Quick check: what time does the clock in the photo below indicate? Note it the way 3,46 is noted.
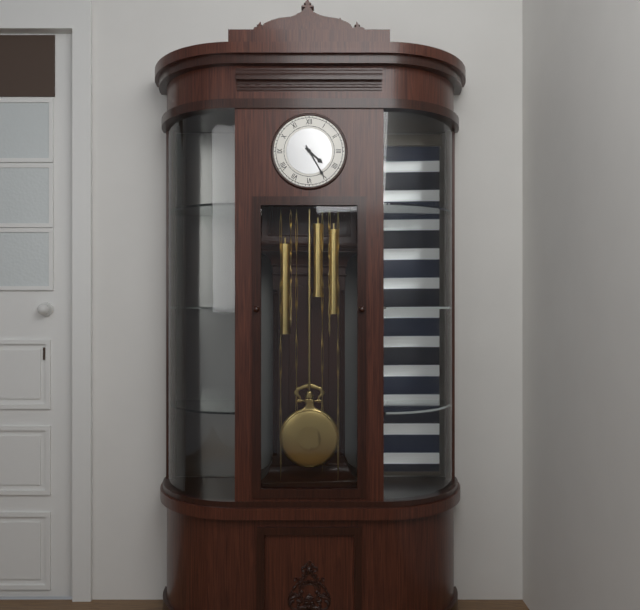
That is 4,25
